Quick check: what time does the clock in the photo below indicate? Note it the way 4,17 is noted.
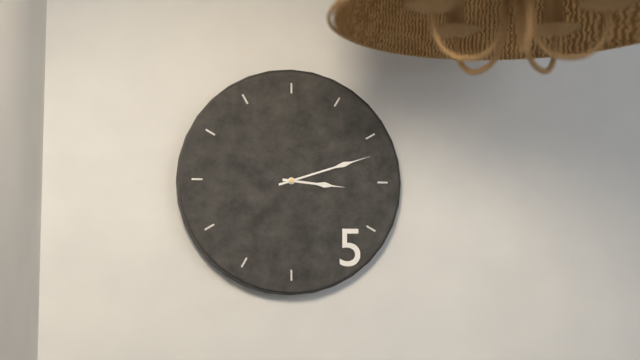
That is 3,12
